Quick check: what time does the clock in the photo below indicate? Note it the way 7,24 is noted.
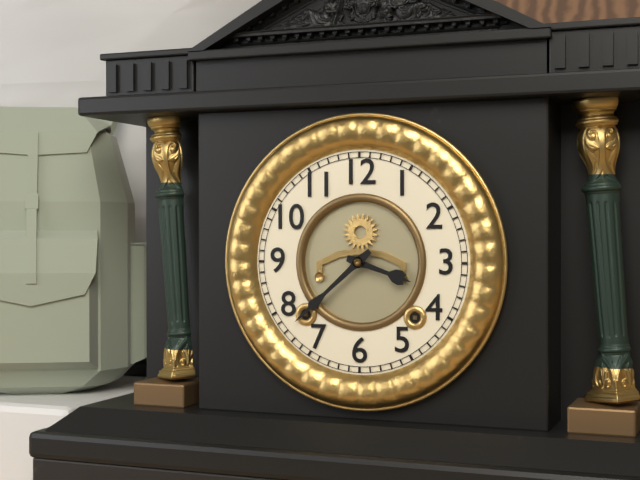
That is 3,38
